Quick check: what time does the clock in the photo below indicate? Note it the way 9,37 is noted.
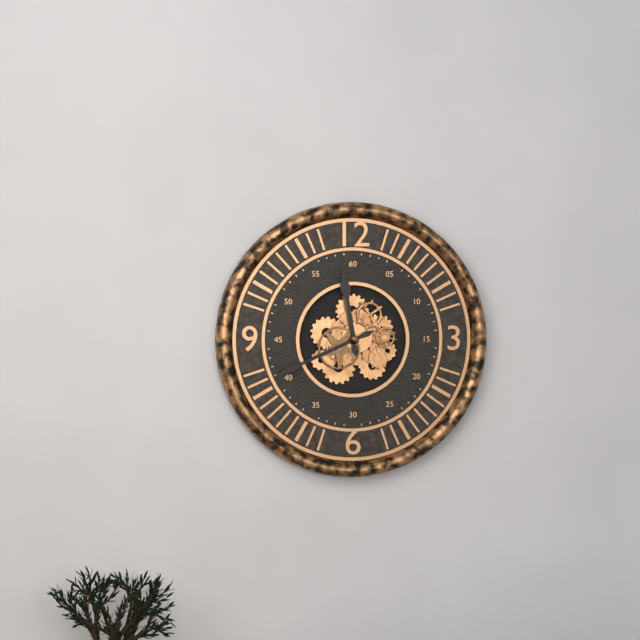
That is 11,41
